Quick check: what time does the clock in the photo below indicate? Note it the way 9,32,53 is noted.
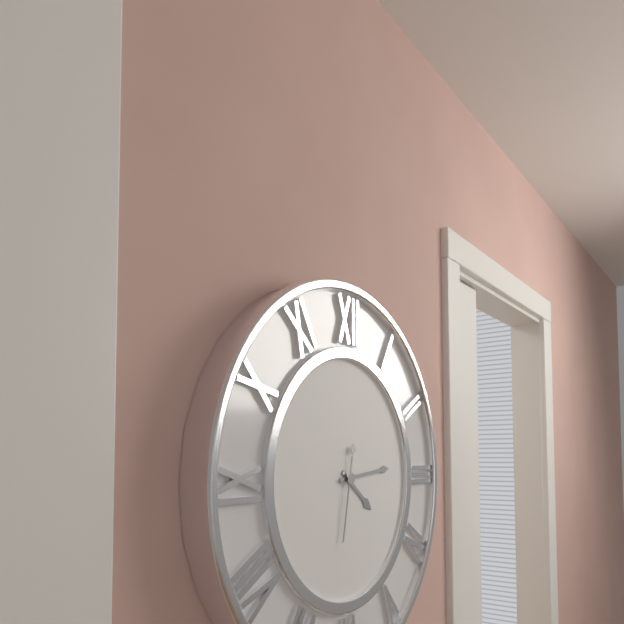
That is 4,14,32
